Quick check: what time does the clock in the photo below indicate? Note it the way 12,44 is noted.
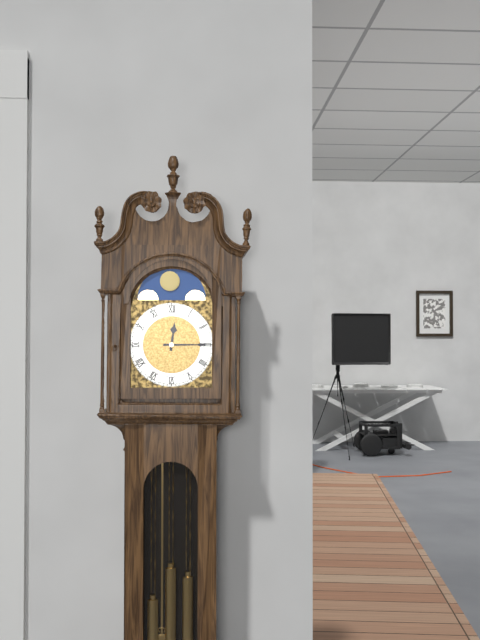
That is 12,15
